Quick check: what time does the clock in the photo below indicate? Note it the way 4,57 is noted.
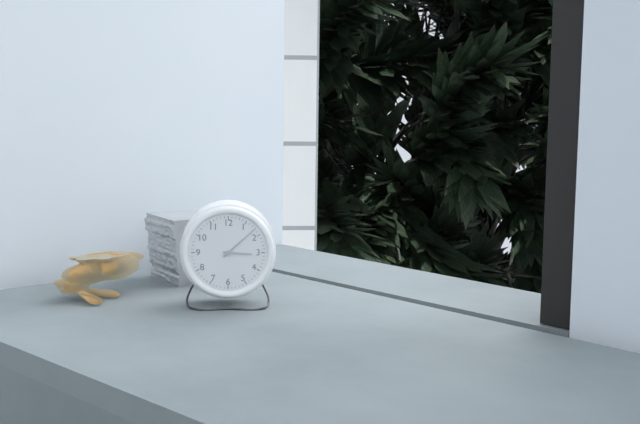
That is 3,08
